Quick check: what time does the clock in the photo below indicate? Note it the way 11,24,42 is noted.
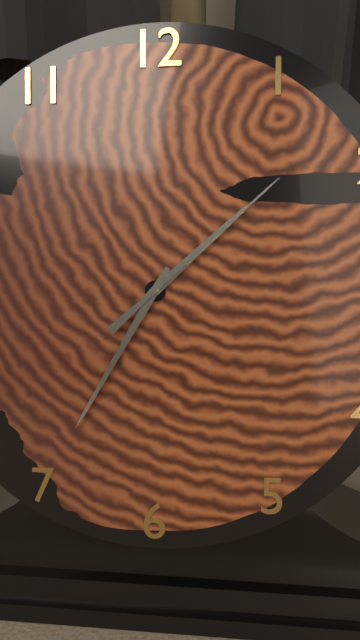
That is 1,35,08
